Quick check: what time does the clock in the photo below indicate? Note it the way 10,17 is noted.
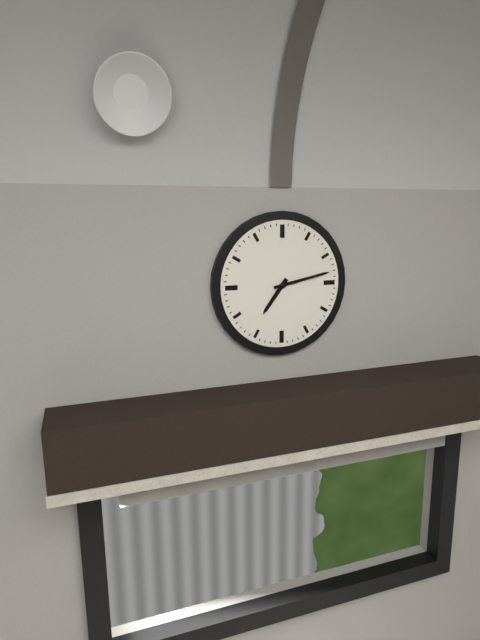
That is 7,13
